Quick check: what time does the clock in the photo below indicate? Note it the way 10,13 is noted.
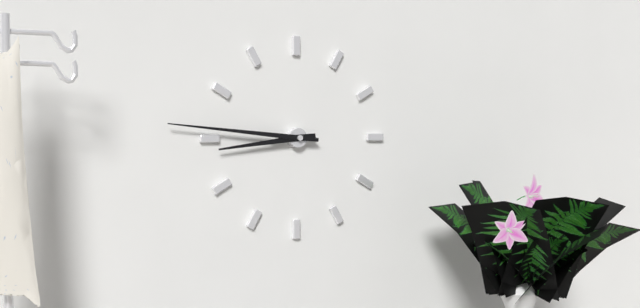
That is 8,46
